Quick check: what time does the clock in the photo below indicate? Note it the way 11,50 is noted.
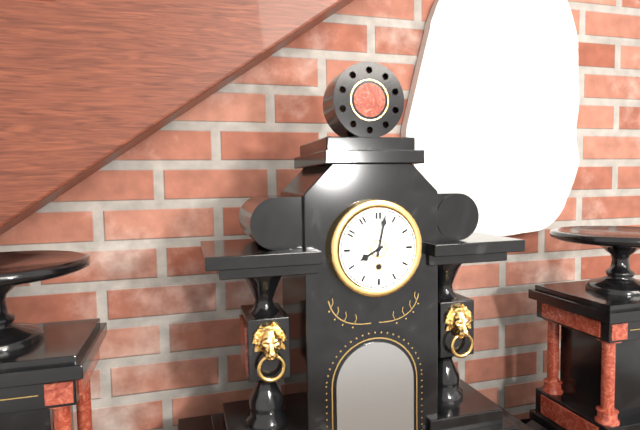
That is 8,02
